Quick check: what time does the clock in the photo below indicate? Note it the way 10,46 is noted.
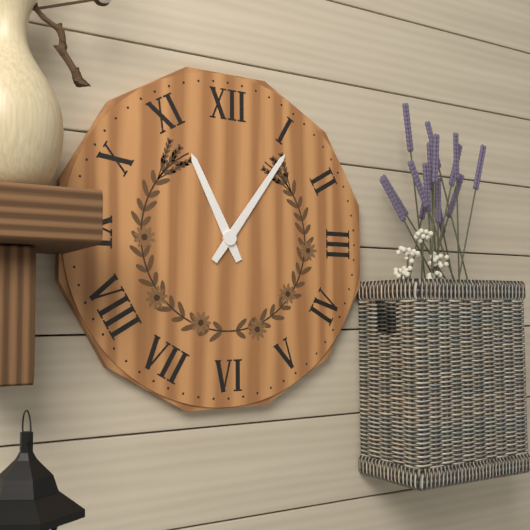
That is 11,06
